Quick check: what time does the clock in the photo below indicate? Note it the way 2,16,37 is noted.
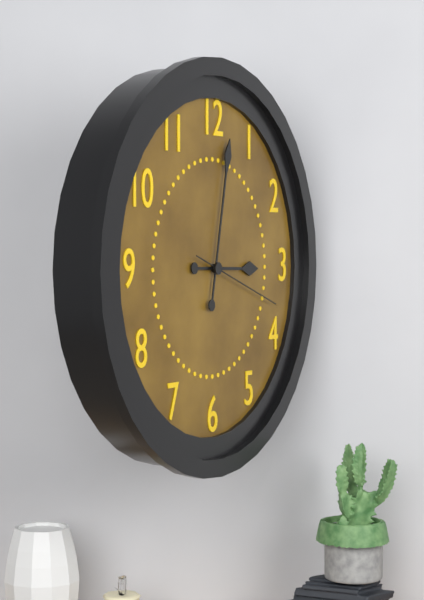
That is 3,02,18
